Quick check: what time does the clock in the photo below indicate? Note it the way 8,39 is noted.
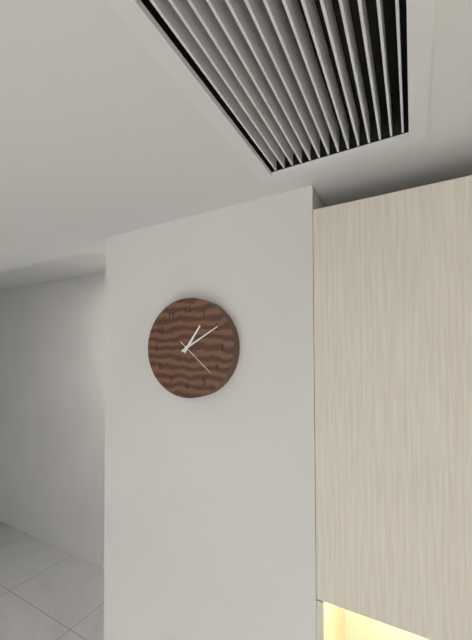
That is 1,10
